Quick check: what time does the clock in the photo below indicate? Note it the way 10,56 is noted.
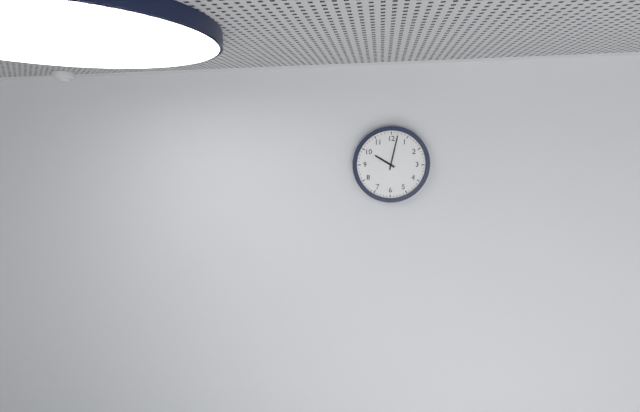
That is 10,02
